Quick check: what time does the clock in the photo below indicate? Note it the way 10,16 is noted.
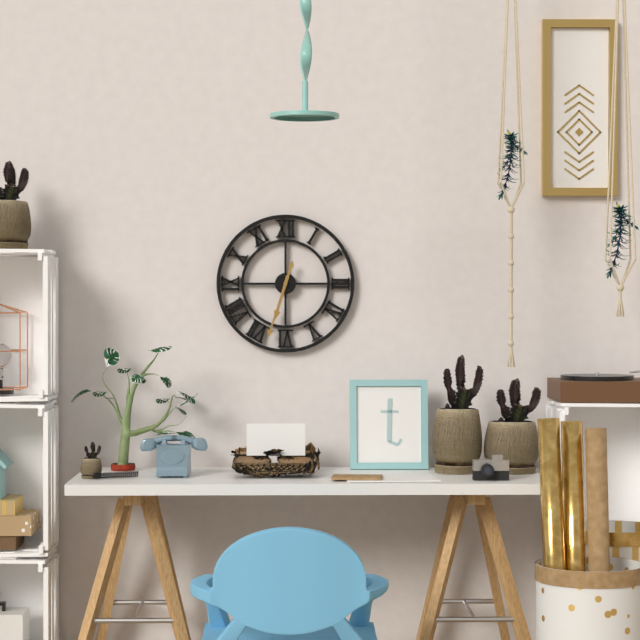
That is 6,33
